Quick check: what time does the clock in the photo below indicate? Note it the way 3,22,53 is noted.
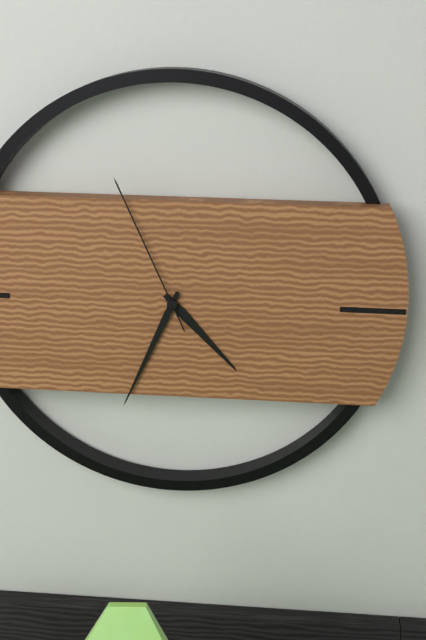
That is 4,34,56
